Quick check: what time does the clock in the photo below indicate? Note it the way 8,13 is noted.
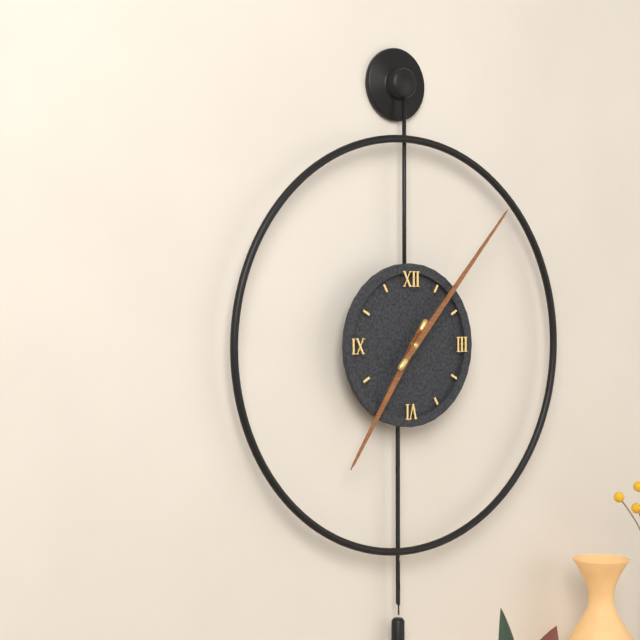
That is 7,07
